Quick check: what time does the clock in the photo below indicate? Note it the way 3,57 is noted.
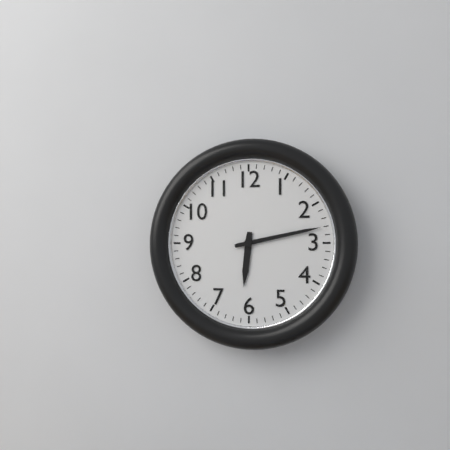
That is 6,13
